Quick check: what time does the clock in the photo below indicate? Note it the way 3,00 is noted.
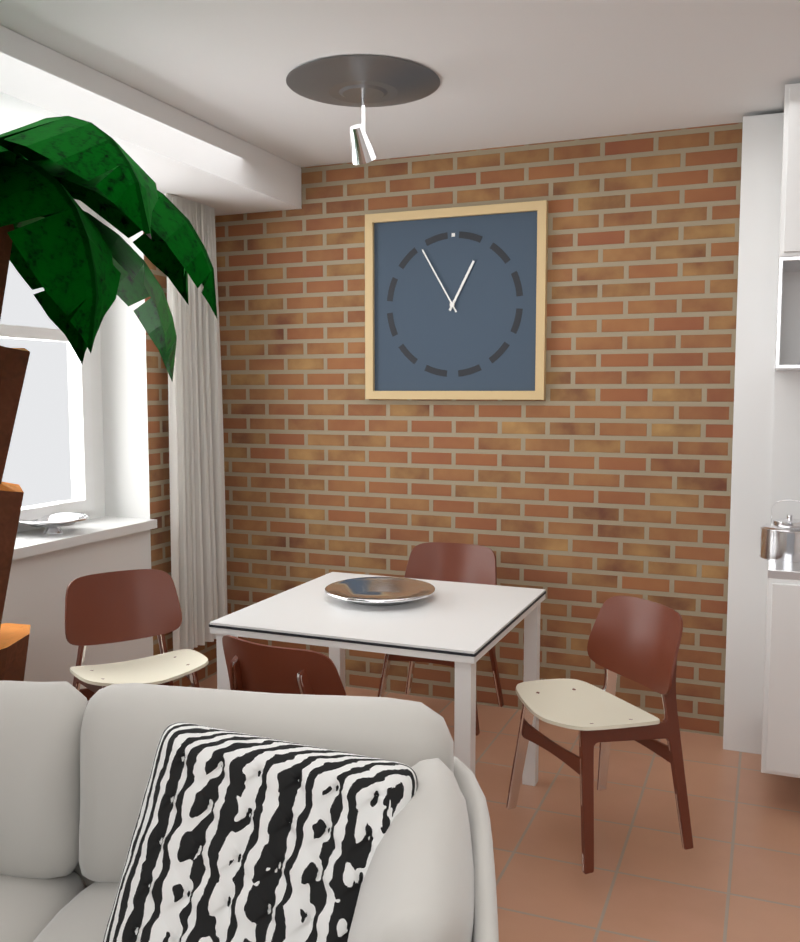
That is 12,55
